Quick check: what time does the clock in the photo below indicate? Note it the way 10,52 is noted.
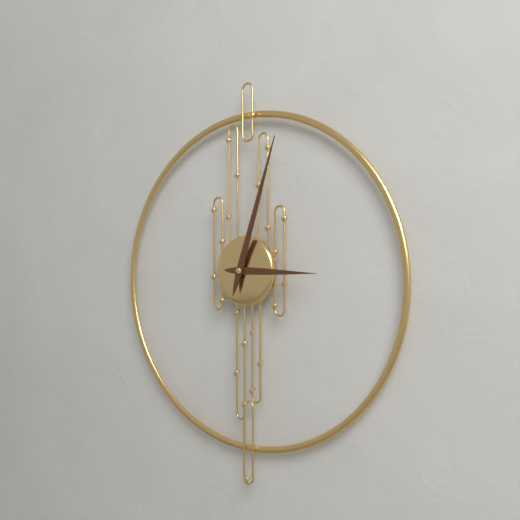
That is 3,03
